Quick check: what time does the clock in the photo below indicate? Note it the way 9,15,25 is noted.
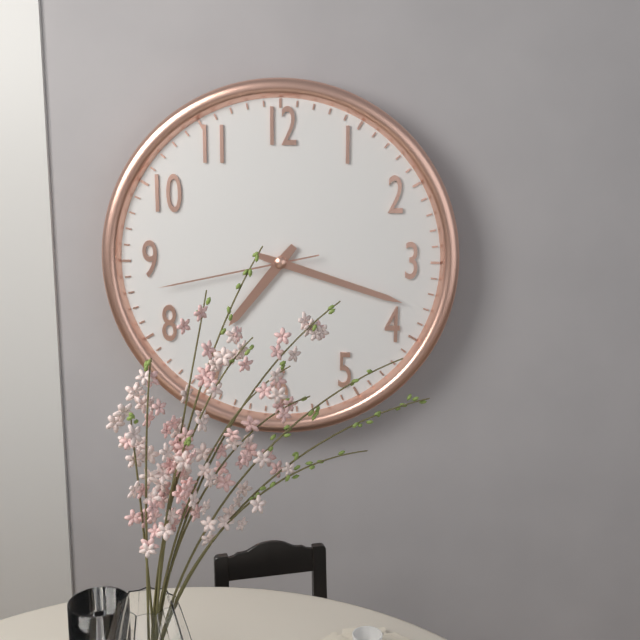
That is 7,18,43
